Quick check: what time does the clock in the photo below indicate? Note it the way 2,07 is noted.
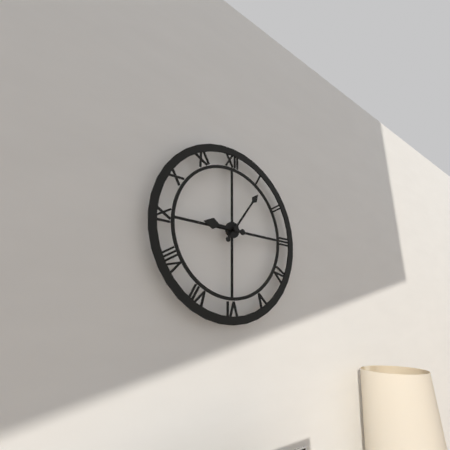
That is 9,06
